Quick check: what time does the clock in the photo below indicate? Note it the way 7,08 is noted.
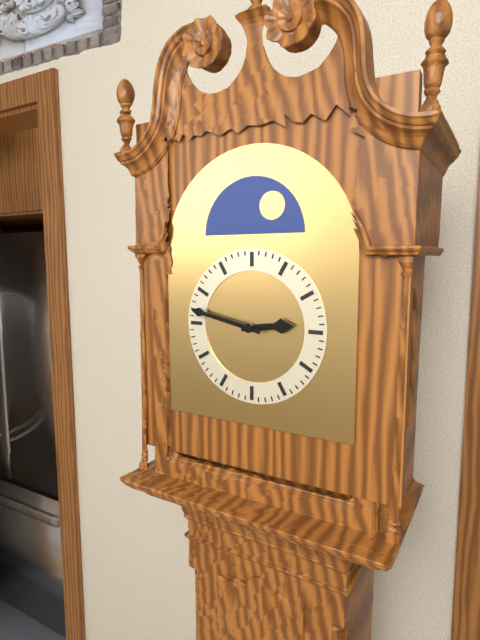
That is 2,47
